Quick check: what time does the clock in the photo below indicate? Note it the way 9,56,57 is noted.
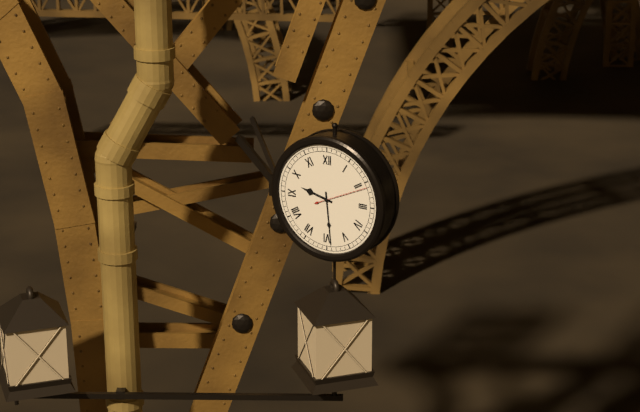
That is 9,29,11
